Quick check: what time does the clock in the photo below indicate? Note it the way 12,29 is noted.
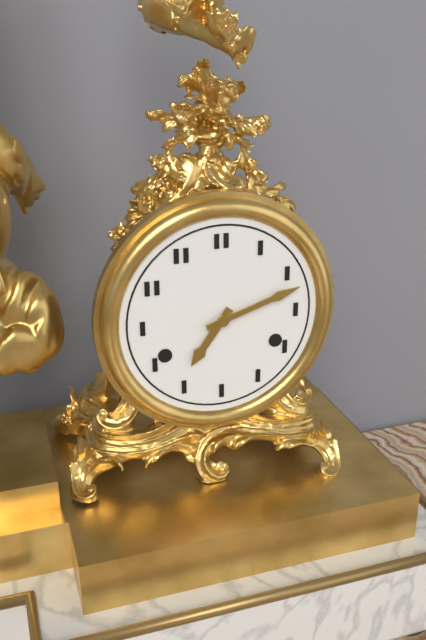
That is 7,12
